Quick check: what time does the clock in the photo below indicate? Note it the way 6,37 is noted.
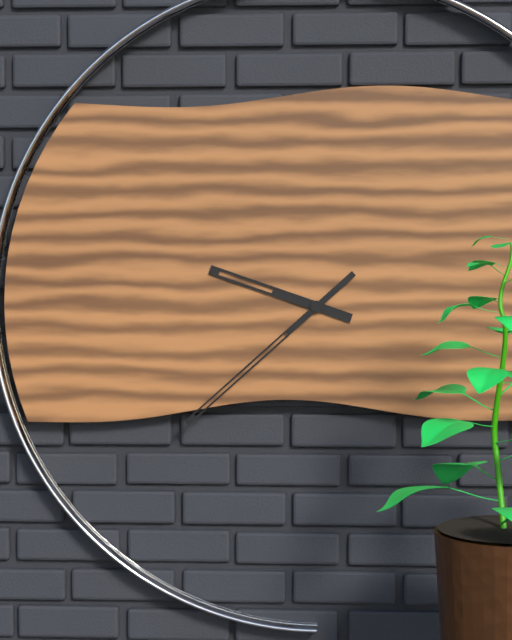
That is 9,38
